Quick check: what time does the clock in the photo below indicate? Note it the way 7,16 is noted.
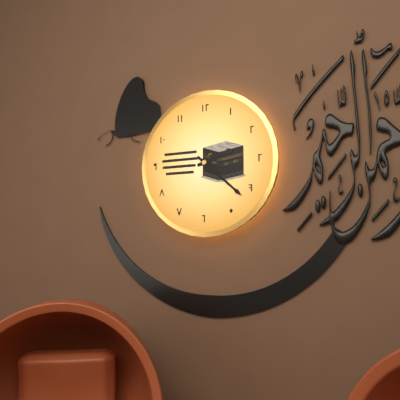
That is 2,22
